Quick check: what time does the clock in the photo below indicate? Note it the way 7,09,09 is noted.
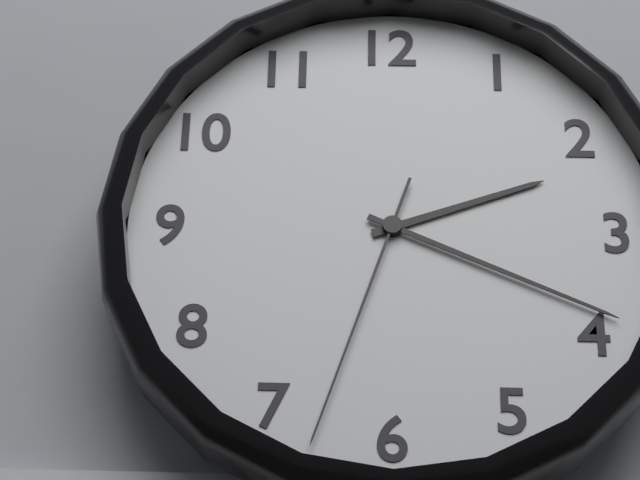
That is 2,19,33
